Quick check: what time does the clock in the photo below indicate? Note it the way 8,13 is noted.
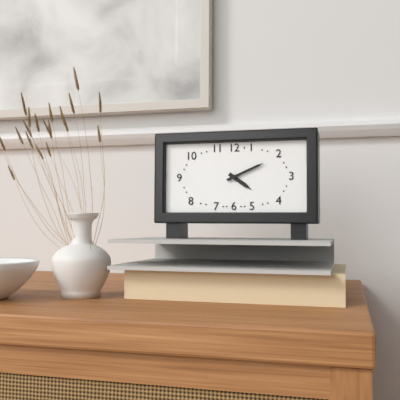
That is 4,11
